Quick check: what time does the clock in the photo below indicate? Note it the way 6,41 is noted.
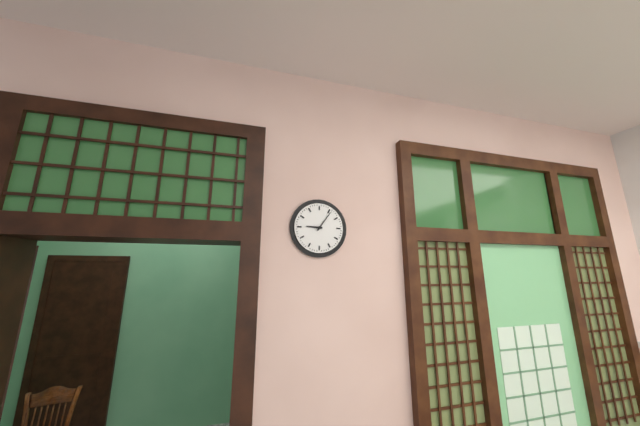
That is 9,06
